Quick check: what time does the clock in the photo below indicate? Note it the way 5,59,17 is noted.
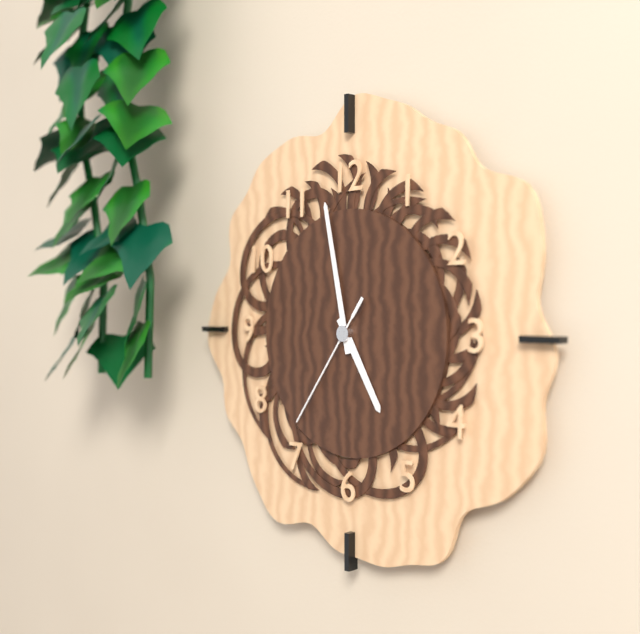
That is 4,58,36
